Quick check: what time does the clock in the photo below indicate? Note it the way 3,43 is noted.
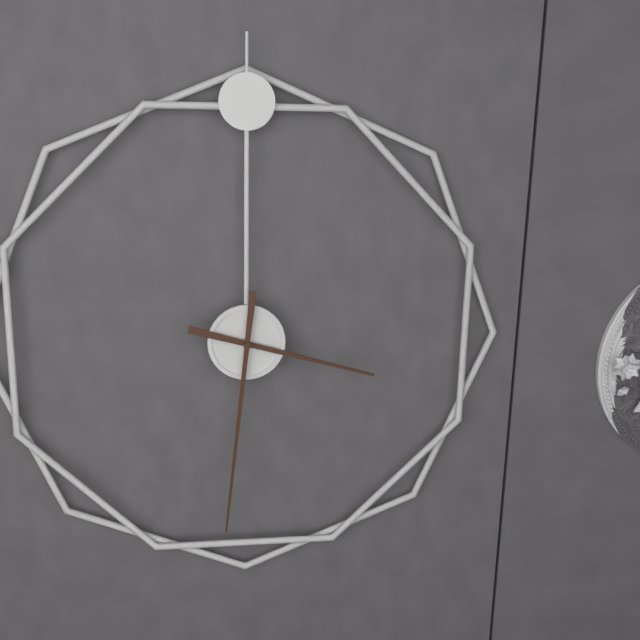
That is 3,31
